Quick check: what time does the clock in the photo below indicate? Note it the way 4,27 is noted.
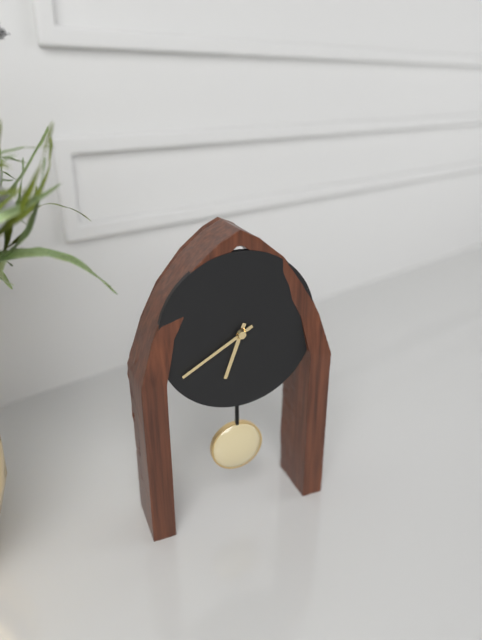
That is 6,40
